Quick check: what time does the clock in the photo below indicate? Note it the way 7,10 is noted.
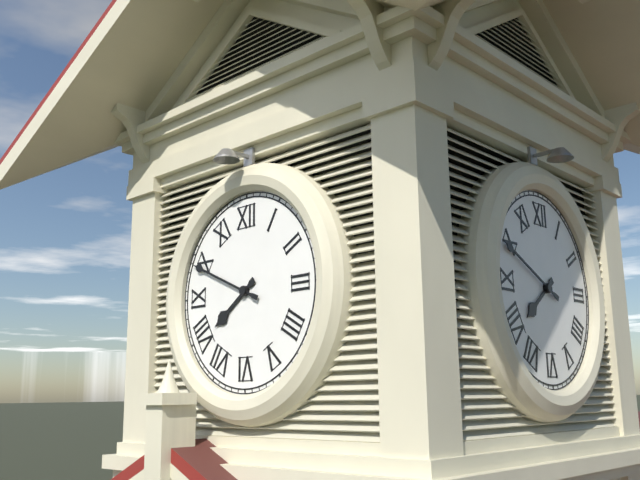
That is 7,49
